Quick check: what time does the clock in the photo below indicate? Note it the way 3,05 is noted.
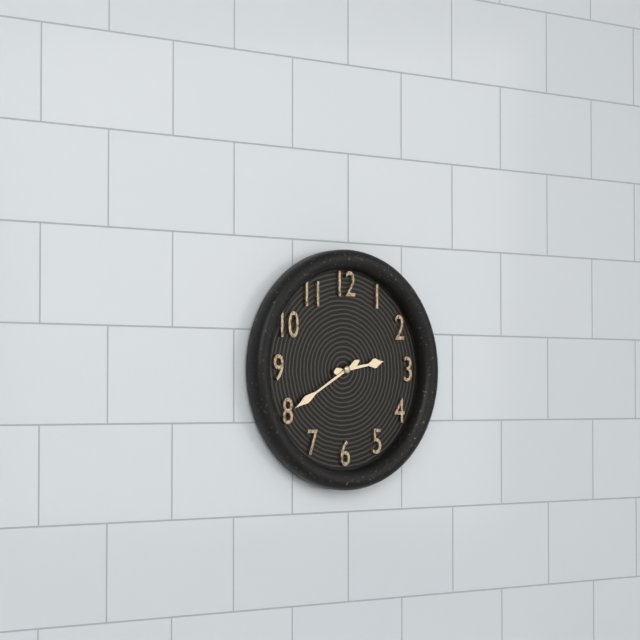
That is 2,40
